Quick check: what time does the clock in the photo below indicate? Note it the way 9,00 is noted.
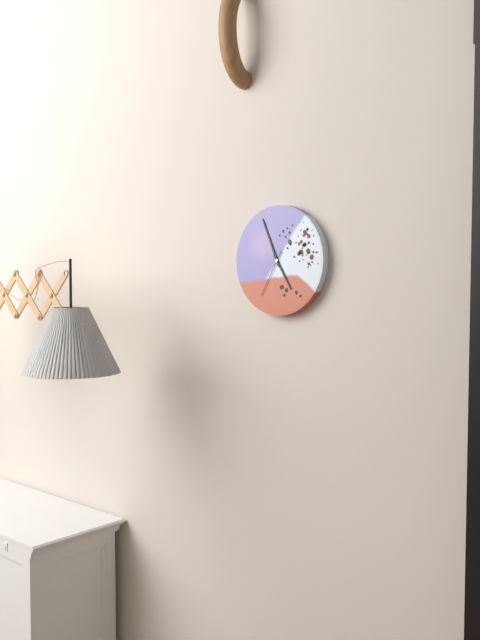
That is 4,56
